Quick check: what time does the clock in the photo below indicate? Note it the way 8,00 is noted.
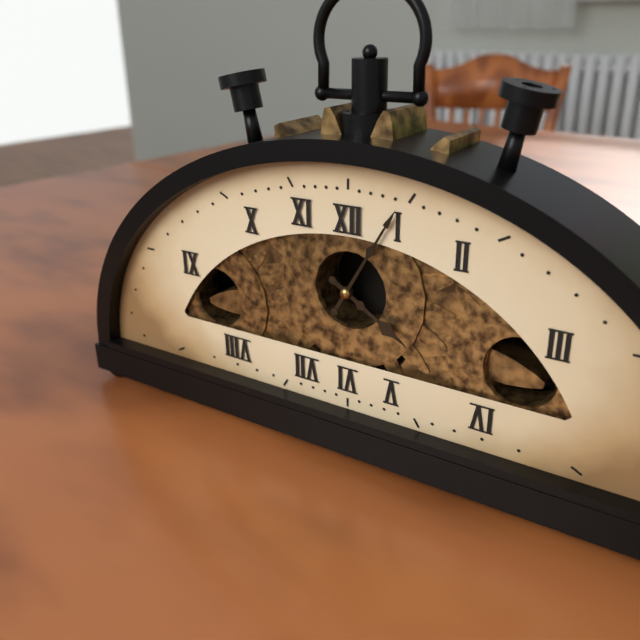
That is 4,05
